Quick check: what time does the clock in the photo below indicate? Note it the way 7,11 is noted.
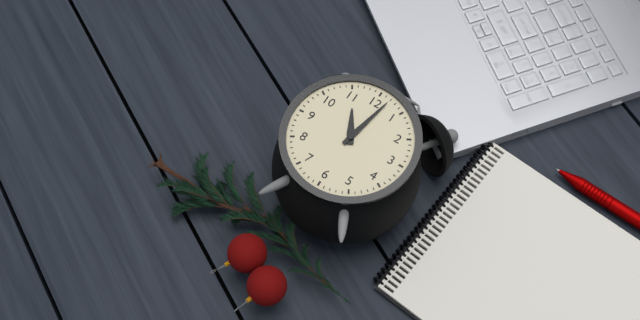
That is 11,02
